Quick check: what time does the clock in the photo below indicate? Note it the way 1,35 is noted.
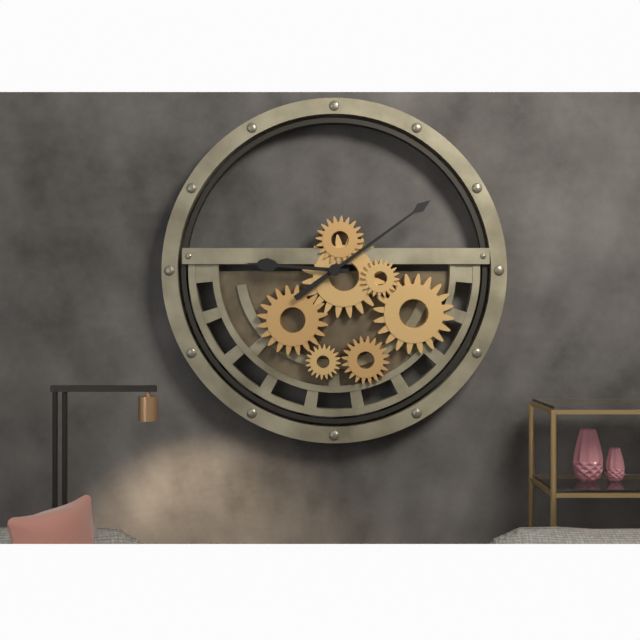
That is 9,09
